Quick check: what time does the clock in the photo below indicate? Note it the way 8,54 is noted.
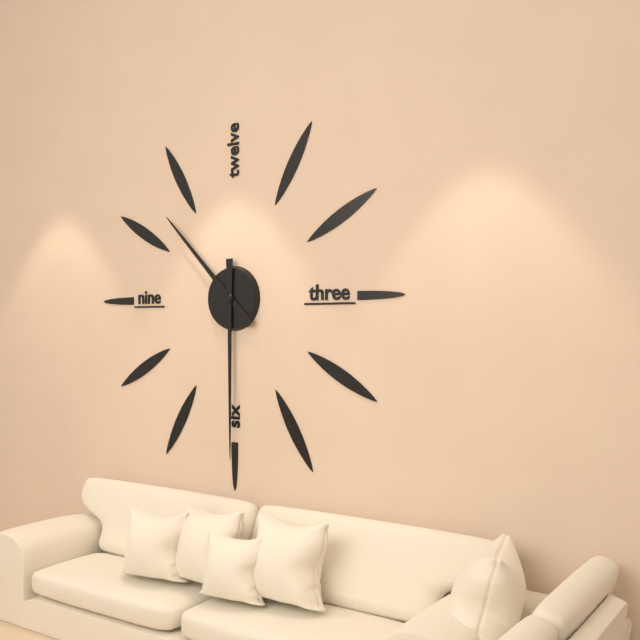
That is 10,30
